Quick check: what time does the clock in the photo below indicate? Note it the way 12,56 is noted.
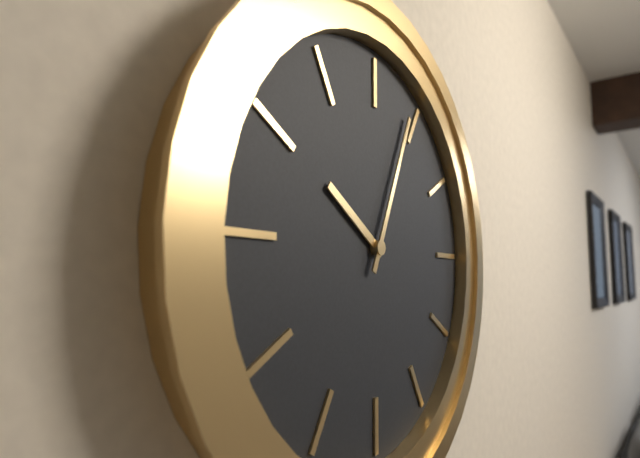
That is 10,04
